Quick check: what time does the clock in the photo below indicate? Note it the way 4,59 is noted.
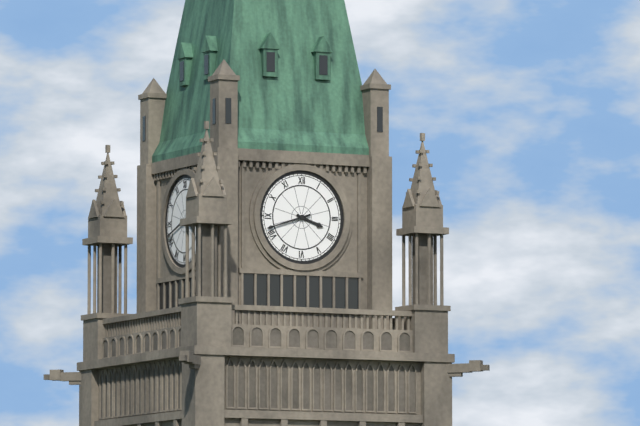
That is 3,42
